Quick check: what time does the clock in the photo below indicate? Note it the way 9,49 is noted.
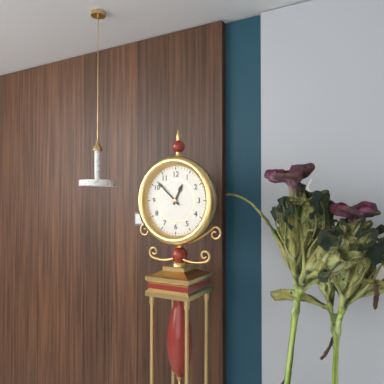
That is 12,52
